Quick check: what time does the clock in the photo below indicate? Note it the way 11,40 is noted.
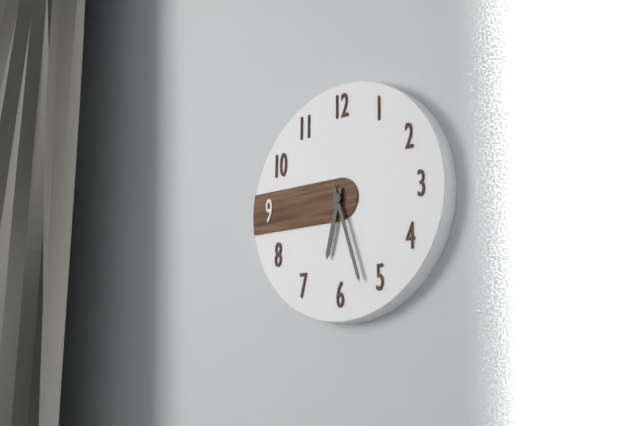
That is 6,27
